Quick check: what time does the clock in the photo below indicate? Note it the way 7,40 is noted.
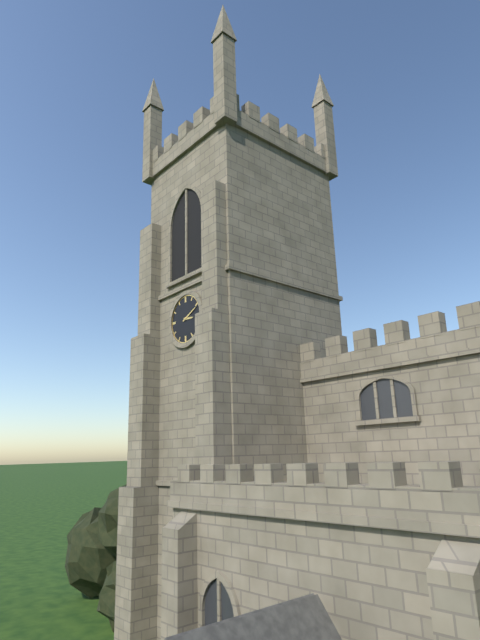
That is 3,11
